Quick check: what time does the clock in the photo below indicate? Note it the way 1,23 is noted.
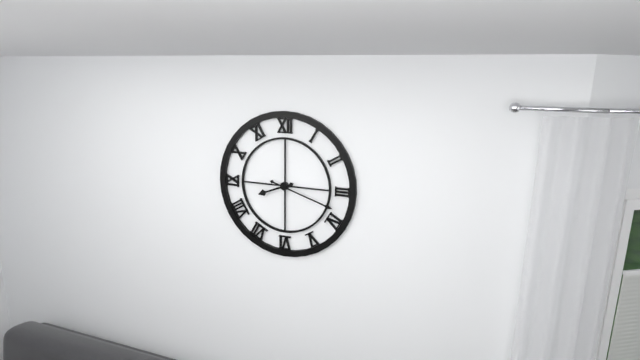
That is 8,18
